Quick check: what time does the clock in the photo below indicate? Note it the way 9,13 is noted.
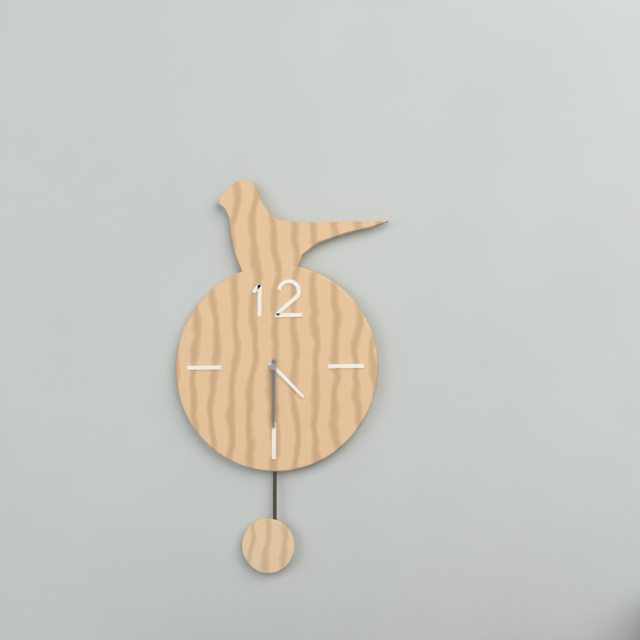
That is 4,30
